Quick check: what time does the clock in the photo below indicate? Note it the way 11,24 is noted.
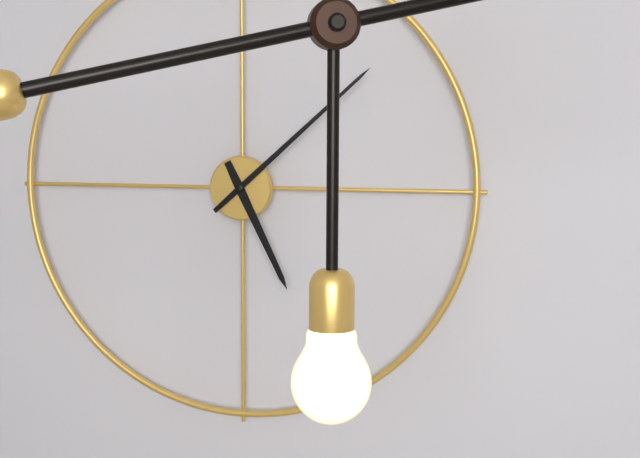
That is 5,08
